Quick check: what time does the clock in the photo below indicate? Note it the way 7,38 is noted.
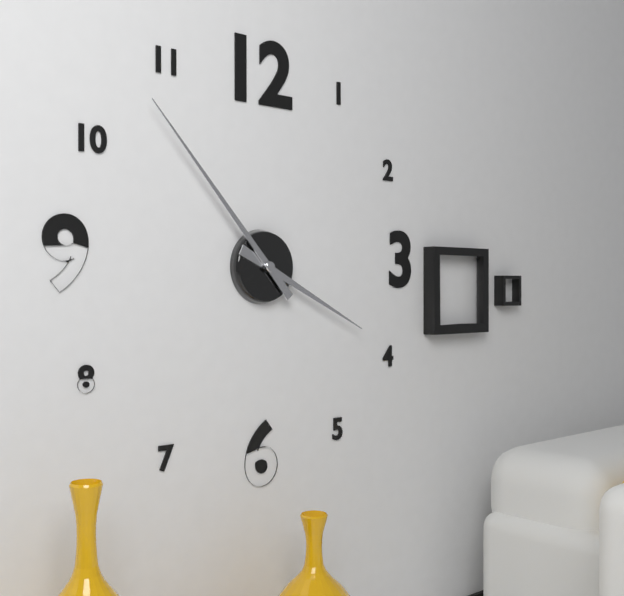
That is 3,53
